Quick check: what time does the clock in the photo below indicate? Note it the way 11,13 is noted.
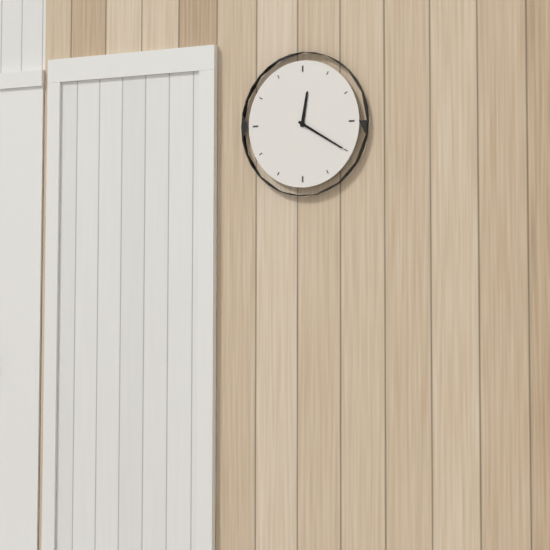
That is 12,20
